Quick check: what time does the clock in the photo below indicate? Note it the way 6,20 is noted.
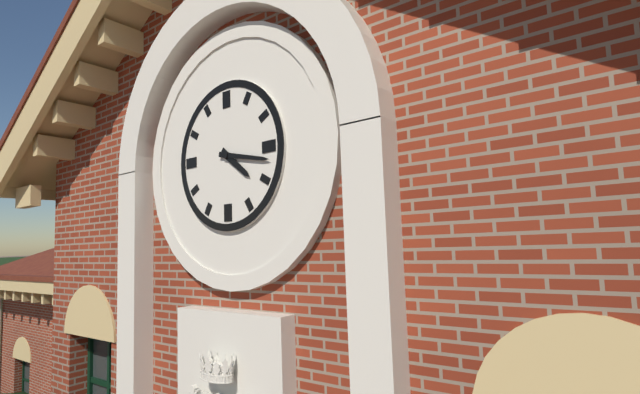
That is 4,17
